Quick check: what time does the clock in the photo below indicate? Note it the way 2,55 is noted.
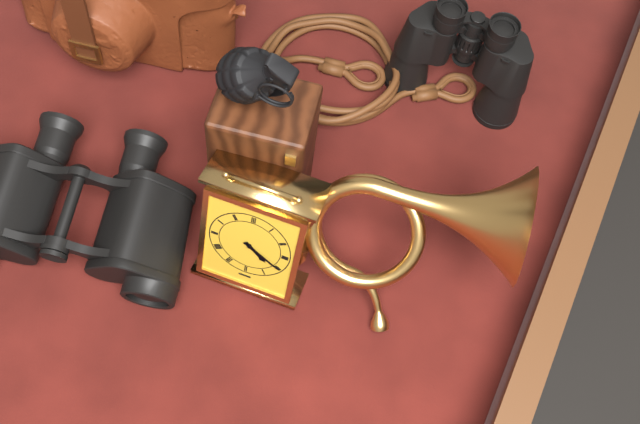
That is 4,20
